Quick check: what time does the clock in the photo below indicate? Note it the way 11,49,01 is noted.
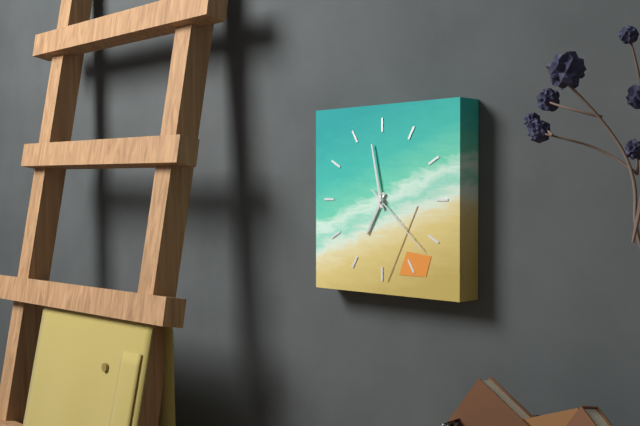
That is 6,58,22
